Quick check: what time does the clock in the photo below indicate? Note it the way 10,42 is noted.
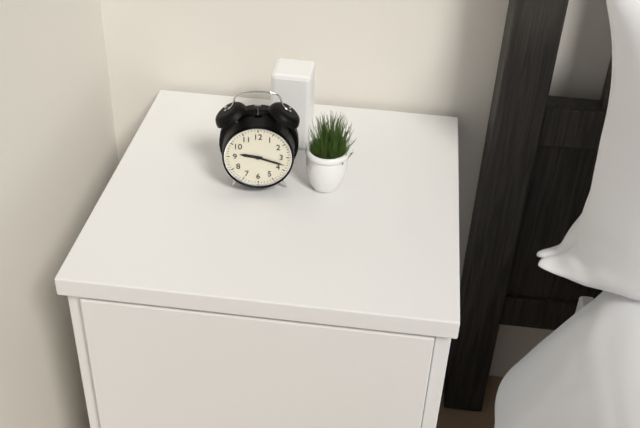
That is 9,18
